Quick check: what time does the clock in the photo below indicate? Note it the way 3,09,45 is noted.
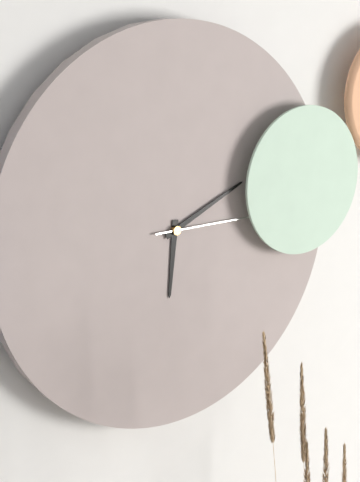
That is 6,11,15
